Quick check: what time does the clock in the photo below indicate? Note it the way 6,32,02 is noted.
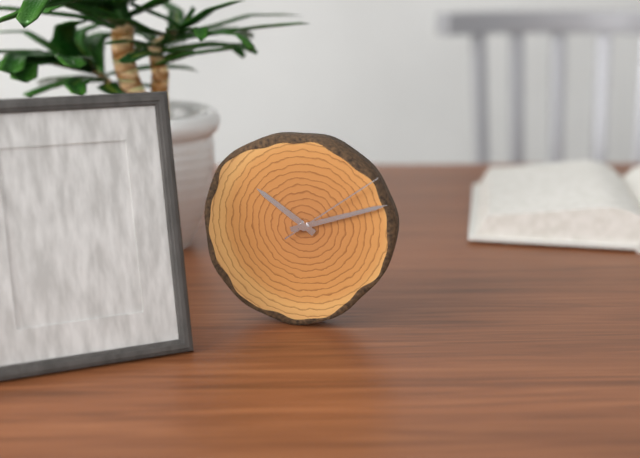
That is 10,12,09
